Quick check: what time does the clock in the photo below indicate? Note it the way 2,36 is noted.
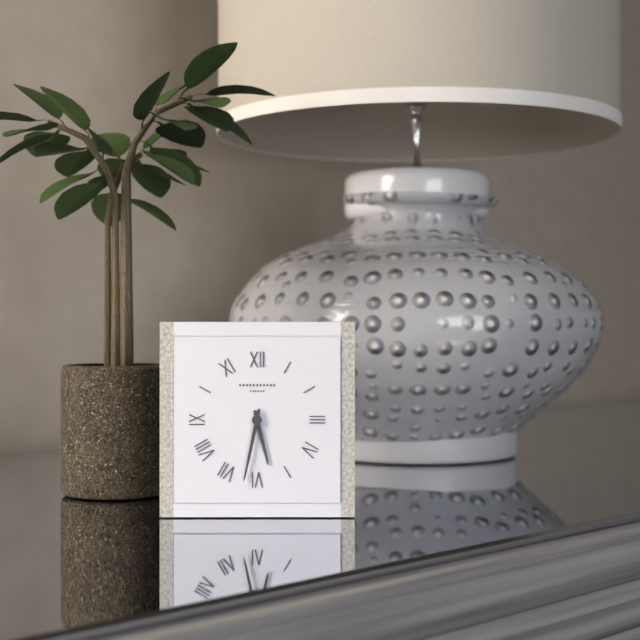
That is 5,32
